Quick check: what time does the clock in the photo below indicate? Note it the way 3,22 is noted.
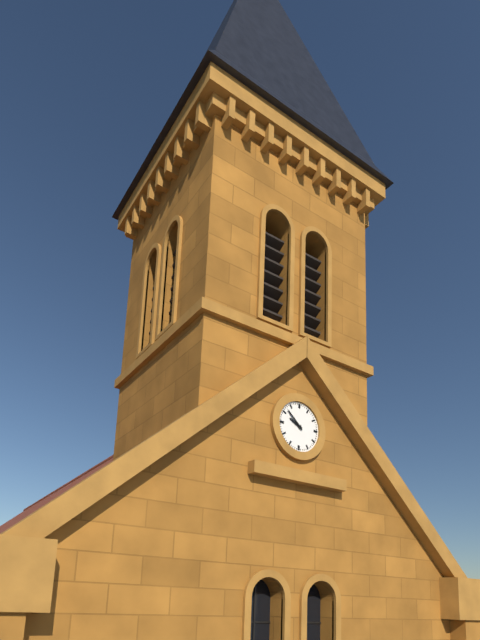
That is 9,52
